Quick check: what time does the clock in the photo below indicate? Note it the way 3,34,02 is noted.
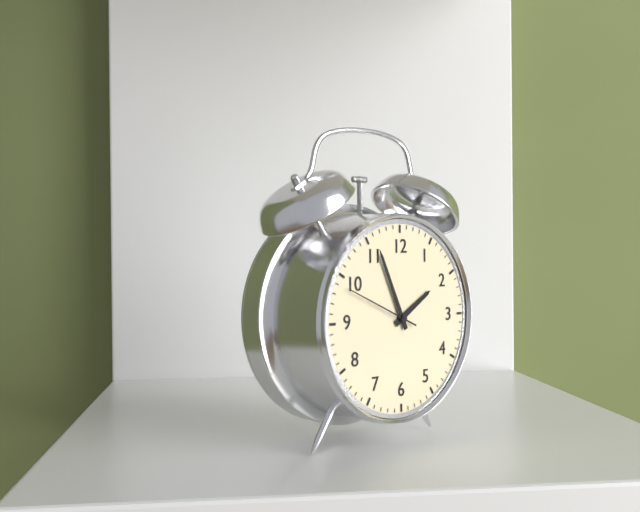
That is 1,56,49
